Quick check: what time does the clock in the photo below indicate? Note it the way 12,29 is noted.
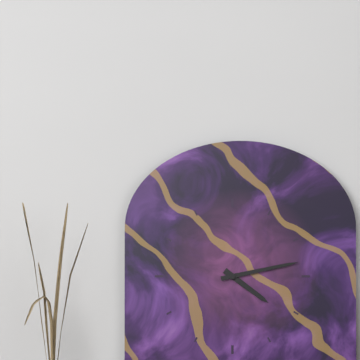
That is 4,13
